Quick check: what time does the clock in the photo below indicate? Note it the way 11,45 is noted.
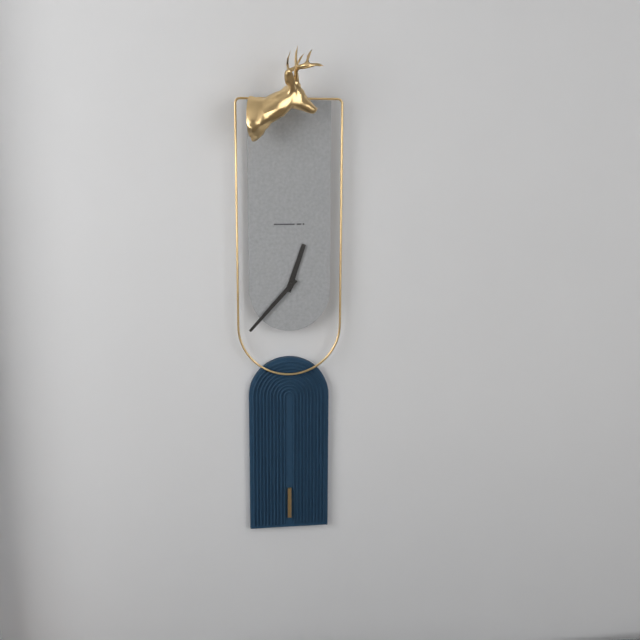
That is 12,37
